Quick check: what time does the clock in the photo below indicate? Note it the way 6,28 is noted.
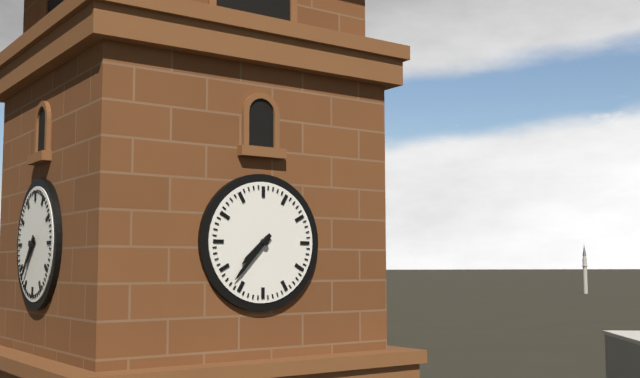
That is 7,37
